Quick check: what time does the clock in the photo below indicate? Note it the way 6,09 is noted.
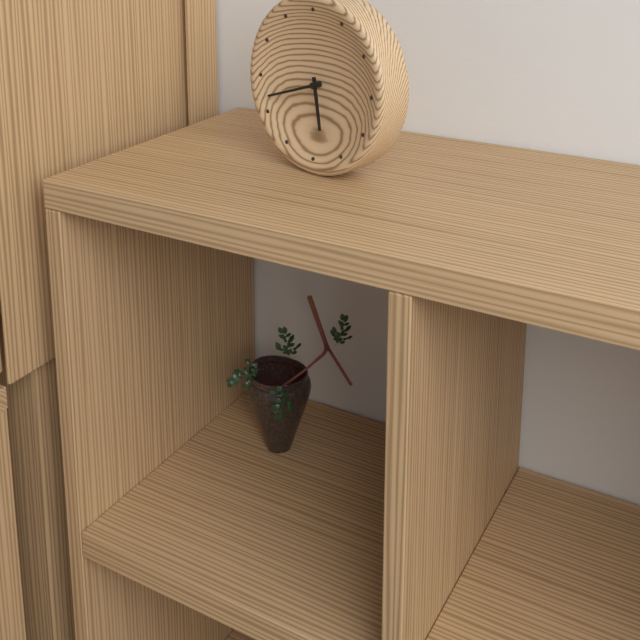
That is 5,42
